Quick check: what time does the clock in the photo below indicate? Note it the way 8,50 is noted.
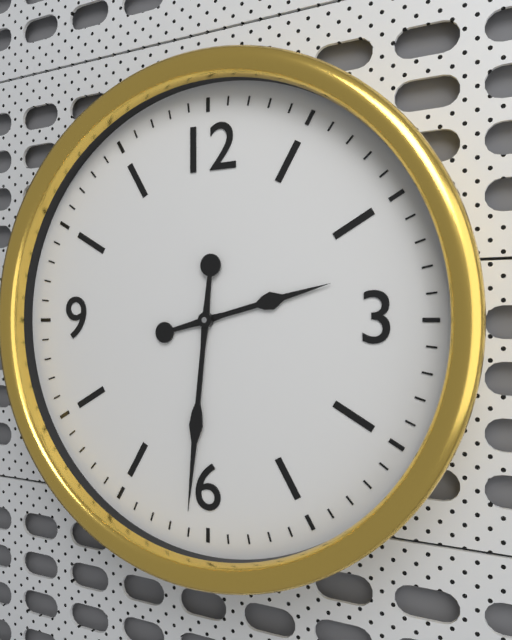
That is 2,31
